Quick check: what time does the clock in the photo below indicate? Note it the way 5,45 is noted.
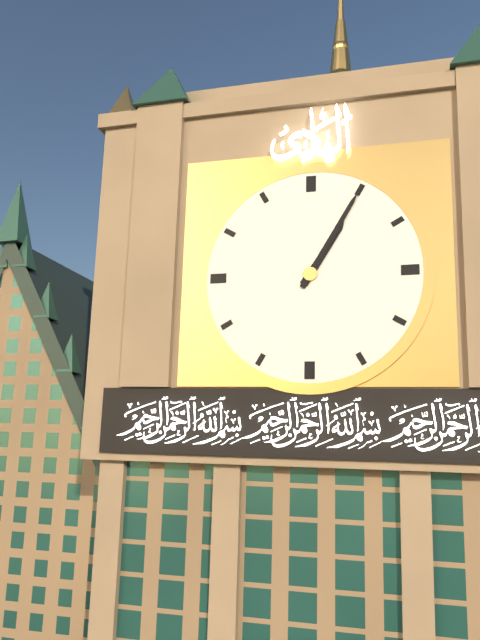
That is 1,05
